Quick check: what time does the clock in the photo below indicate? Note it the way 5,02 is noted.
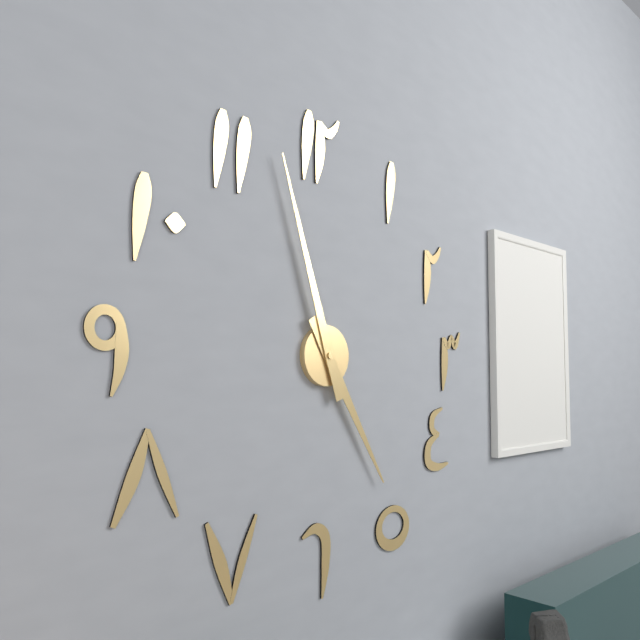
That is 4,57
